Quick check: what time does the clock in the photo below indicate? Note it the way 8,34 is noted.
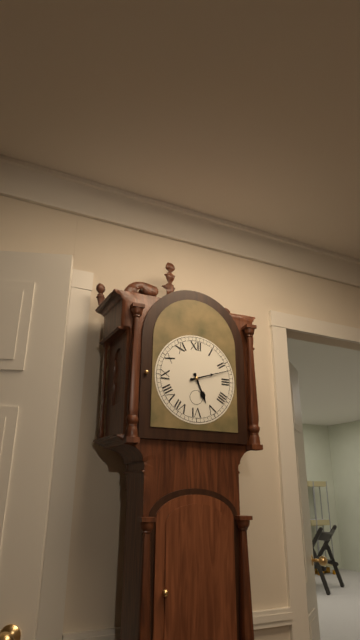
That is 5,12
